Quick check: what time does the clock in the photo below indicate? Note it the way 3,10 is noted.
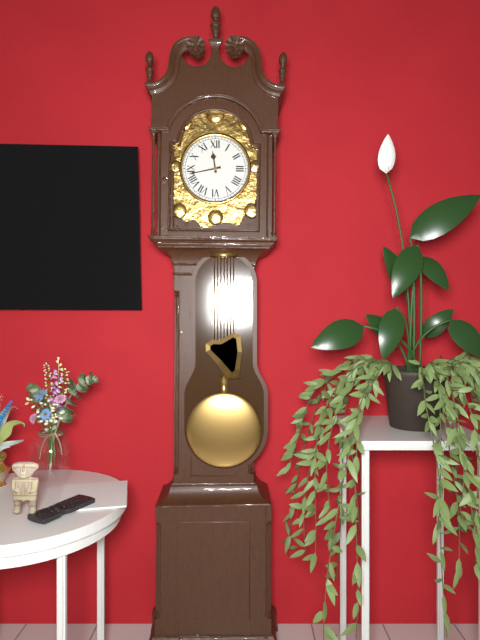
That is 11,43
